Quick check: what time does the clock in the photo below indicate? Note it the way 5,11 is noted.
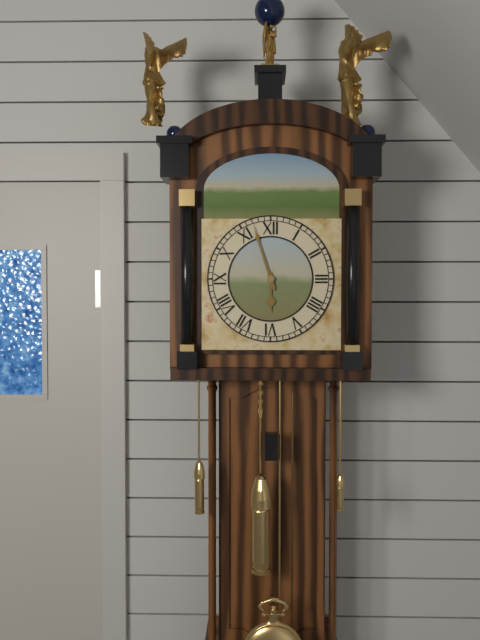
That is 5,57
